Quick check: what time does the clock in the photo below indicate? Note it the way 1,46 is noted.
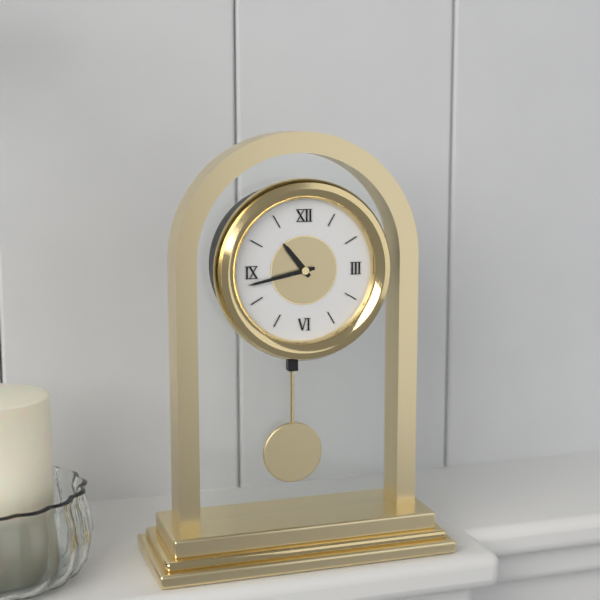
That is 10,43
